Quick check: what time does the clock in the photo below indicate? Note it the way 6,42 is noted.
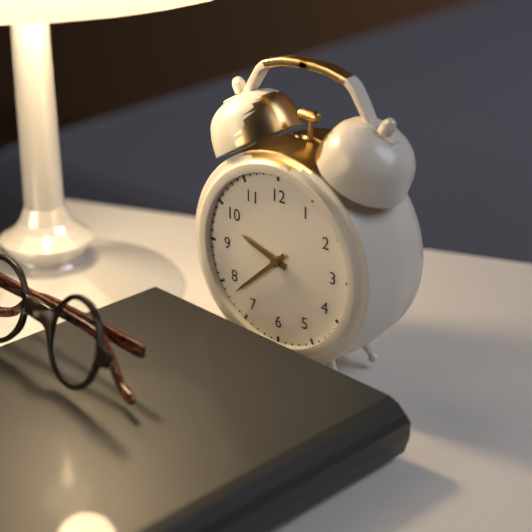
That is 9,38
